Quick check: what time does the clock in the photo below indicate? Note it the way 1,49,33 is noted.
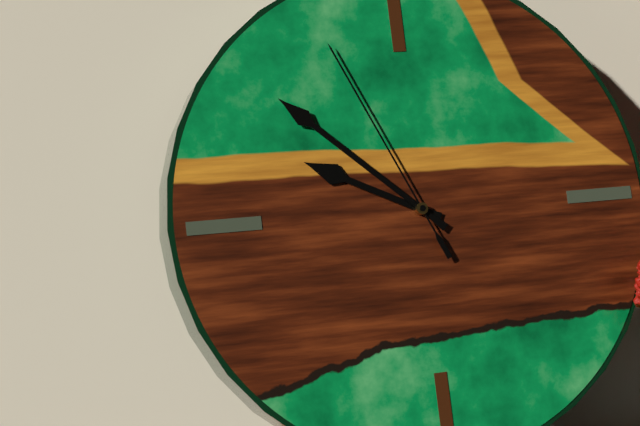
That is 9,52,56
